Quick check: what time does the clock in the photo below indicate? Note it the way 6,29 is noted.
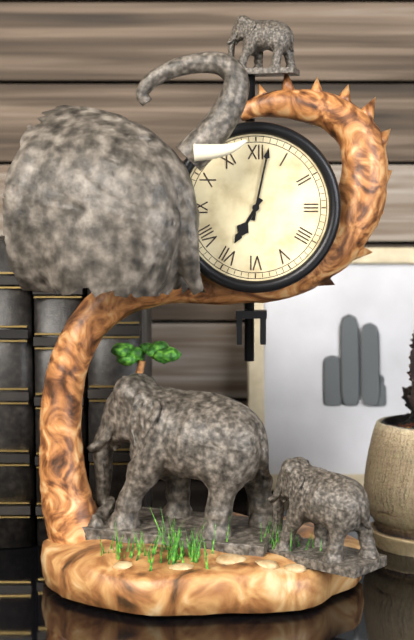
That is 7,02
